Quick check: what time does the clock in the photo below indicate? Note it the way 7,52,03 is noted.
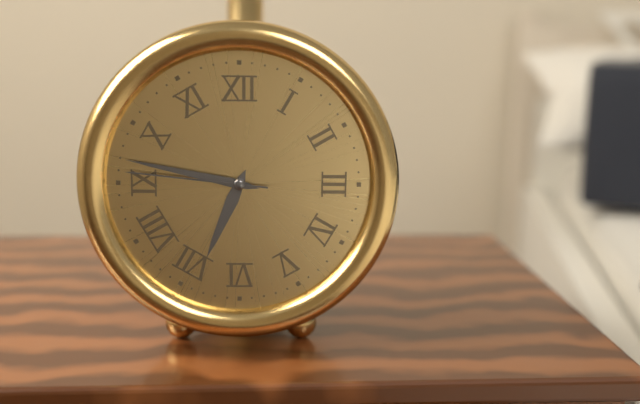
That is 6,47,46
